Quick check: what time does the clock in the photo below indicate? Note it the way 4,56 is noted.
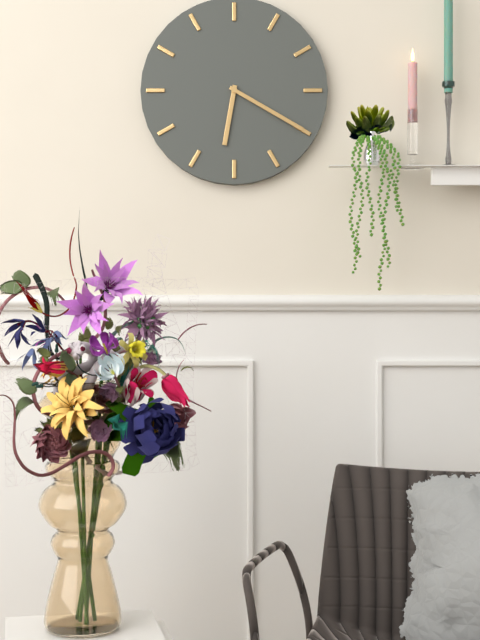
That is 6,20
